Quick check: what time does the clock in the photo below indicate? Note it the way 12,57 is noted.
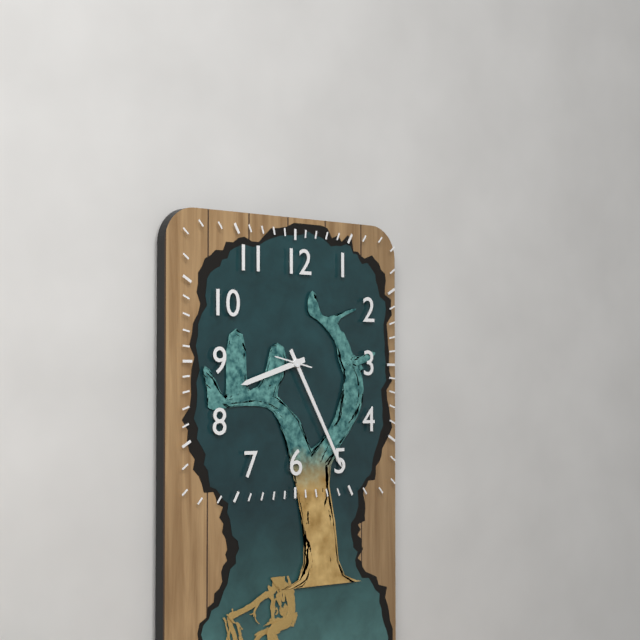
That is 8,25
